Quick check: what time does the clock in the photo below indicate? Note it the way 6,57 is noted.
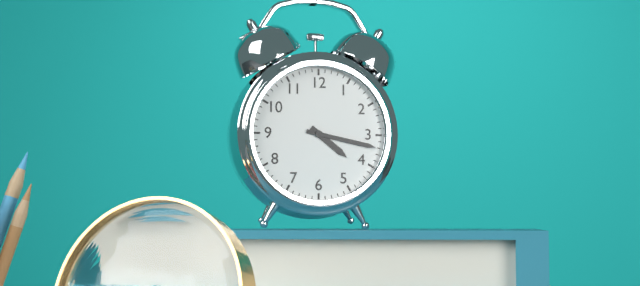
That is 4,17
